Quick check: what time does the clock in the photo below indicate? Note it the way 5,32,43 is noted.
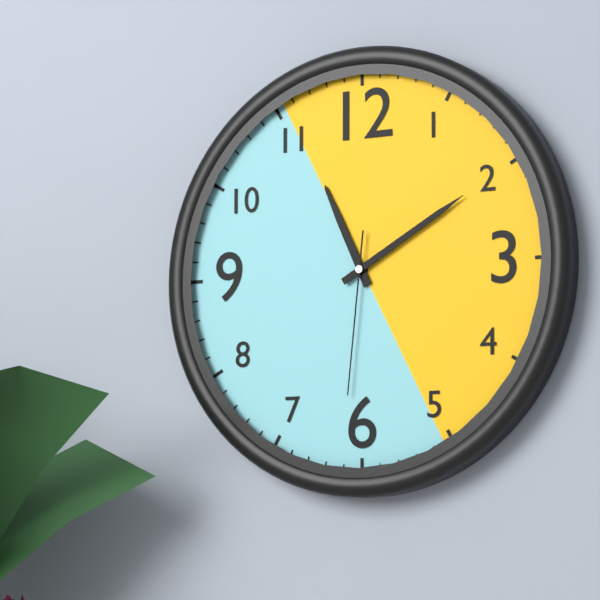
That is 11,10,31
